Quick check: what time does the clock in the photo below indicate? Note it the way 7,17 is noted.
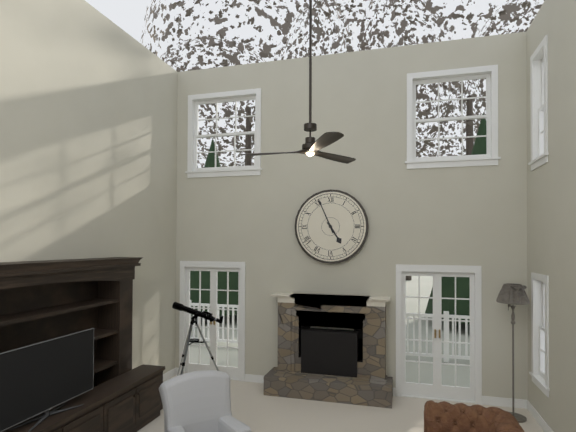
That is 4,56
